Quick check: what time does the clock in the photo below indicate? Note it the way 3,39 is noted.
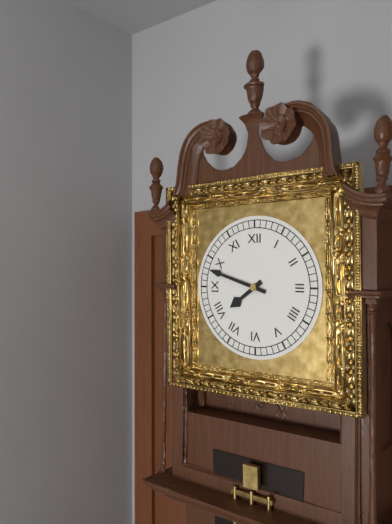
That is 7,48
